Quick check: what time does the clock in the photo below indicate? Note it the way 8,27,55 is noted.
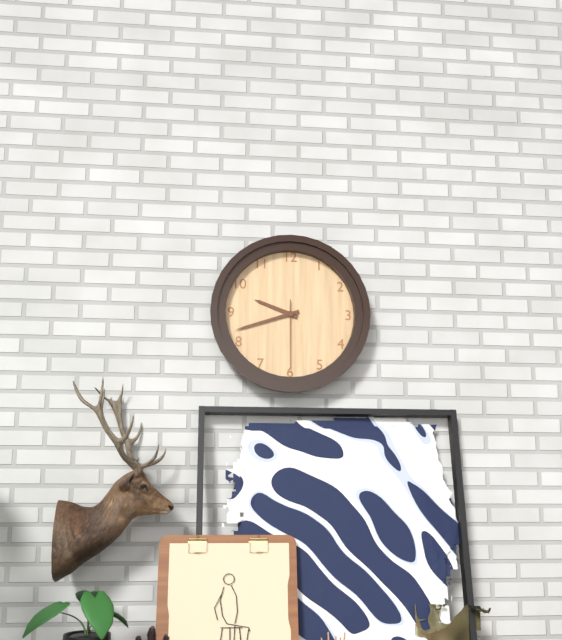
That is 9,42,30
